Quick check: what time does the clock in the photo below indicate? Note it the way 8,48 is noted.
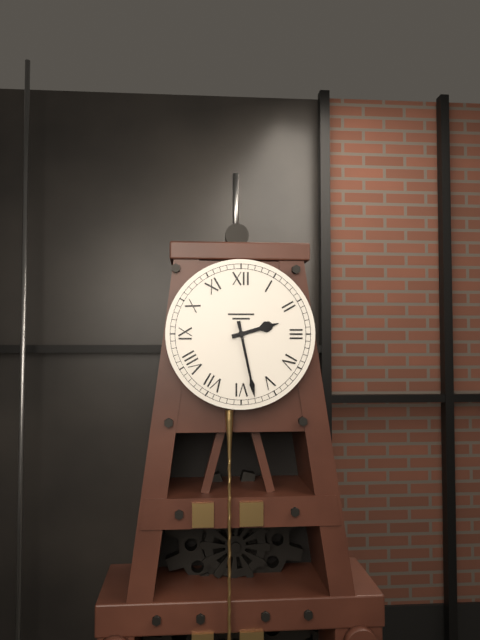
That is 2,28
